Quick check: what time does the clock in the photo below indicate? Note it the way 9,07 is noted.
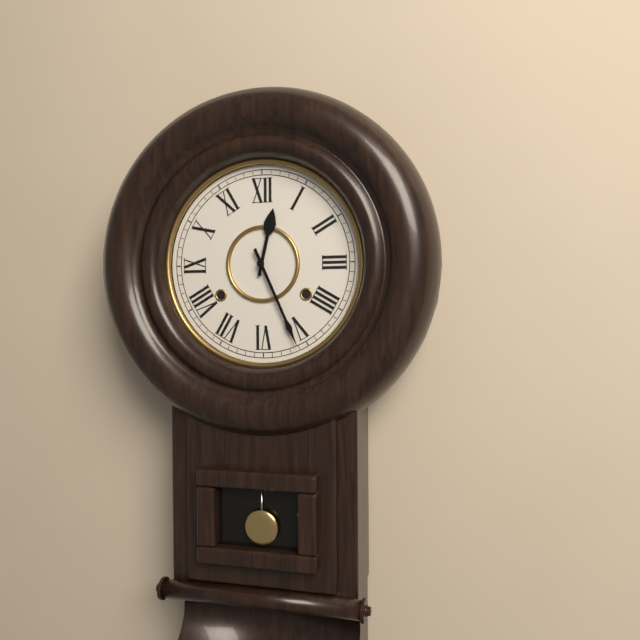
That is 12,26
